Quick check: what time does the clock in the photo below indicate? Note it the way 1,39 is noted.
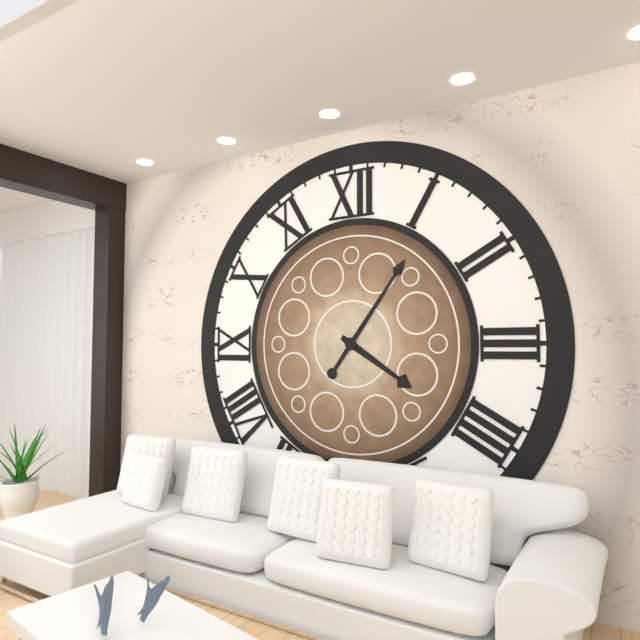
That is 4,06
